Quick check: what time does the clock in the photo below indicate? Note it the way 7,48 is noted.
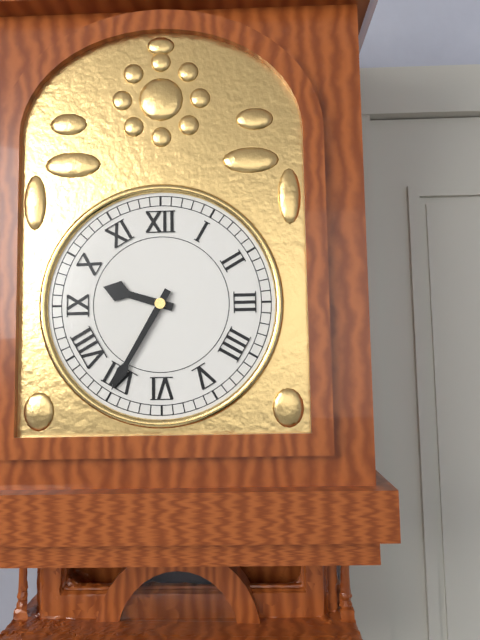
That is 9,35
